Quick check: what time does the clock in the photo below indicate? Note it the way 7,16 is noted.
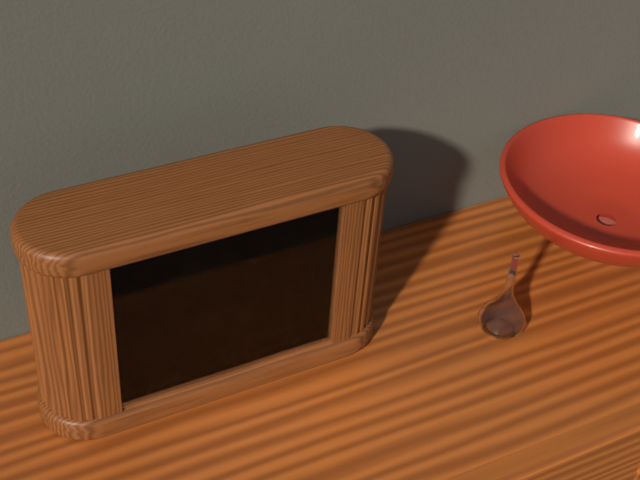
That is 12,14
